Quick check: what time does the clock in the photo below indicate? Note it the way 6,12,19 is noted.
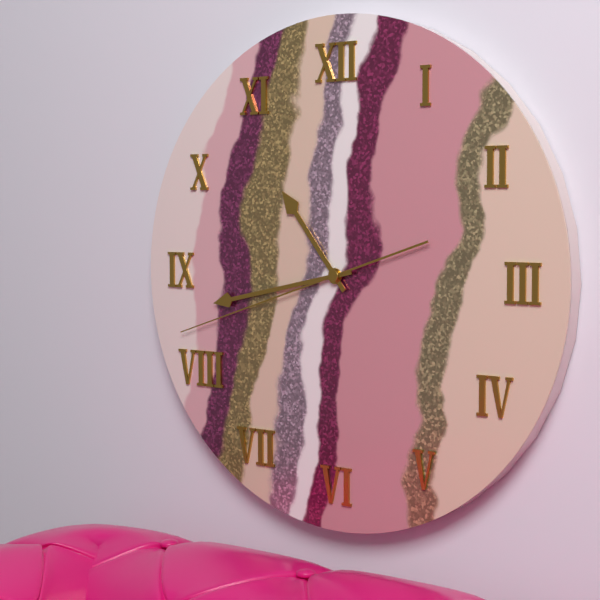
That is 10,43,42
